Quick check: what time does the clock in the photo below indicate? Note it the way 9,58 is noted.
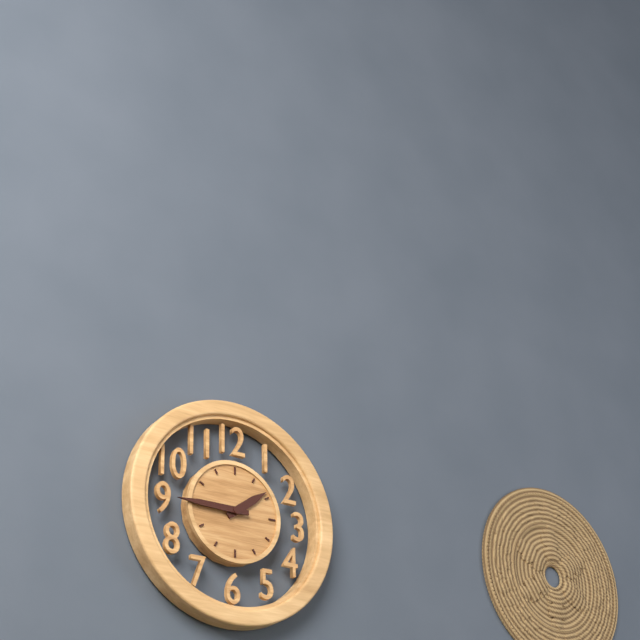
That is 1,45
